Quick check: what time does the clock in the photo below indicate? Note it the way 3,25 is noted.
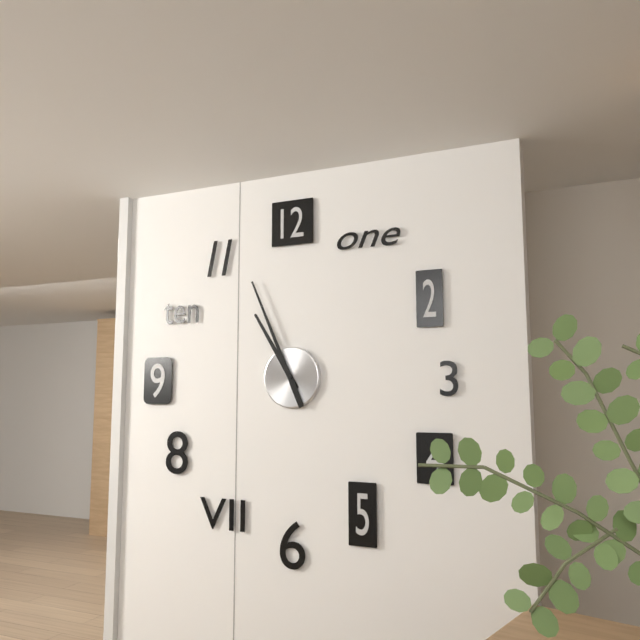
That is 10,56
